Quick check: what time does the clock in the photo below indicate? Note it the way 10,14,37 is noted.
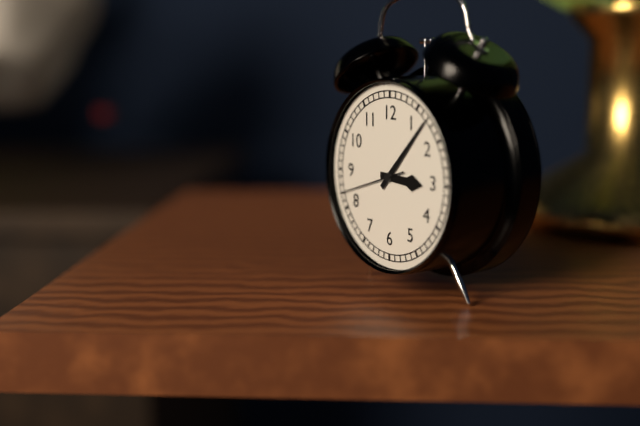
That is 3,07,42
